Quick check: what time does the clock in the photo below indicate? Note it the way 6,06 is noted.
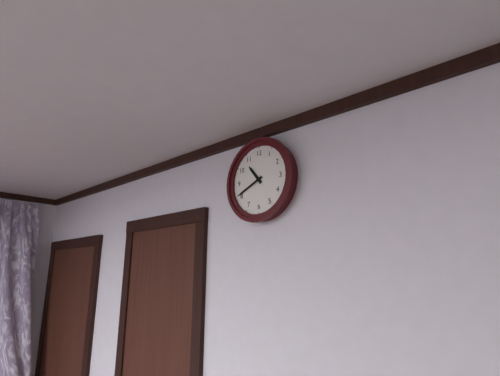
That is 10,41
